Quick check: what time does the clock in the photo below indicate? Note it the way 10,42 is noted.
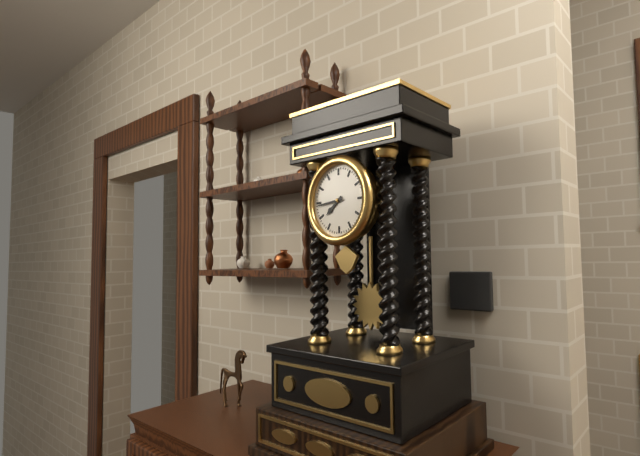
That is 7,44
